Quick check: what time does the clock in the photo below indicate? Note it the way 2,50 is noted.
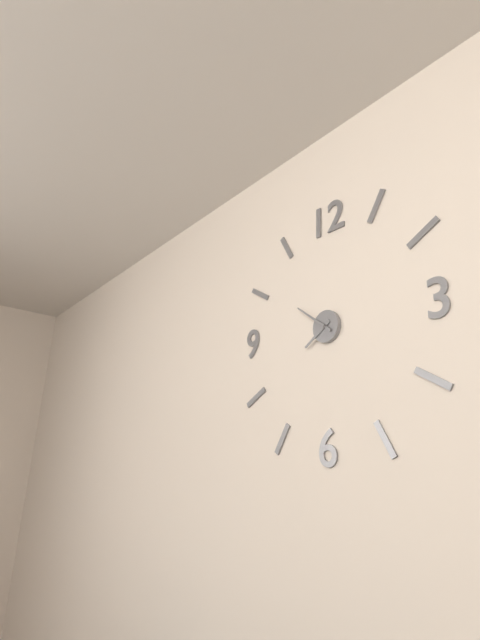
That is 7,51
